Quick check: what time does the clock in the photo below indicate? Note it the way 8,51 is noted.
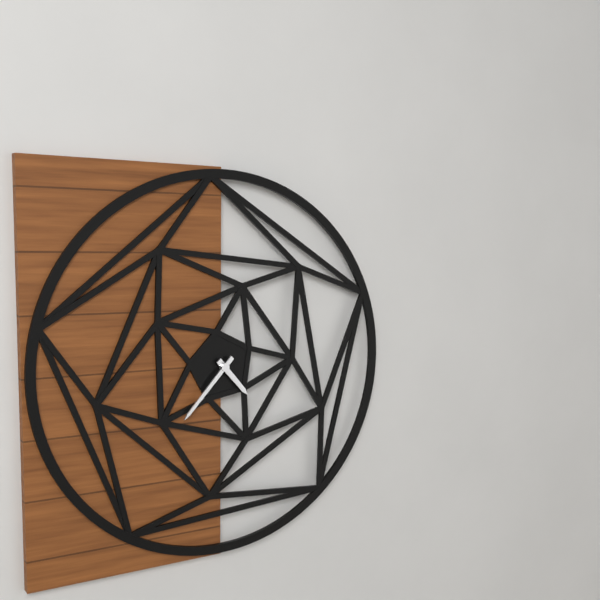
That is 4,37
